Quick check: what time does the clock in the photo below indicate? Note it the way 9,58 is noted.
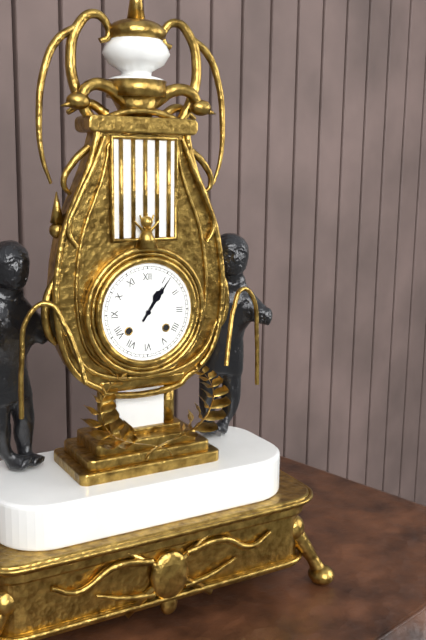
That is 1,06
